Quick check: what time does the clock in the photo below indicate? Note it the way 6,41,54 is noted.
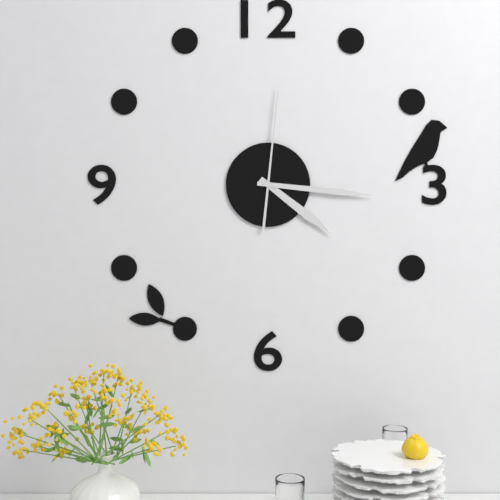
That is 4,16,01
